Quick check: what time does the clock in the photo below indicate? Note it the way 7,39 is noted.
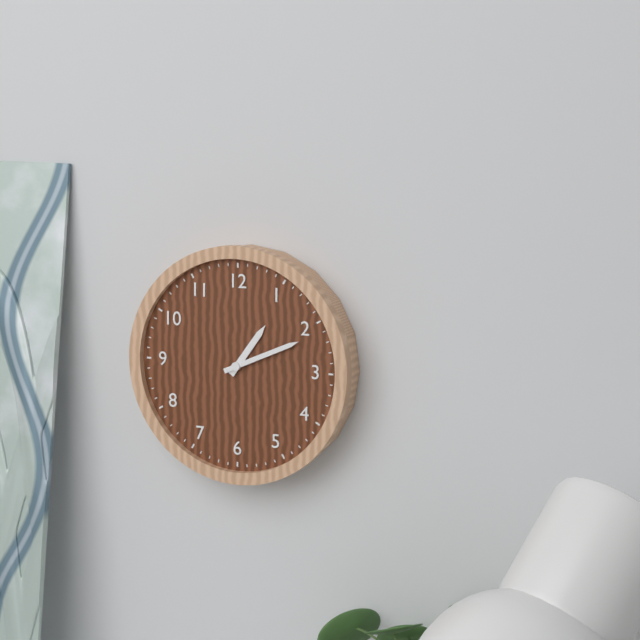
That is 1,11
